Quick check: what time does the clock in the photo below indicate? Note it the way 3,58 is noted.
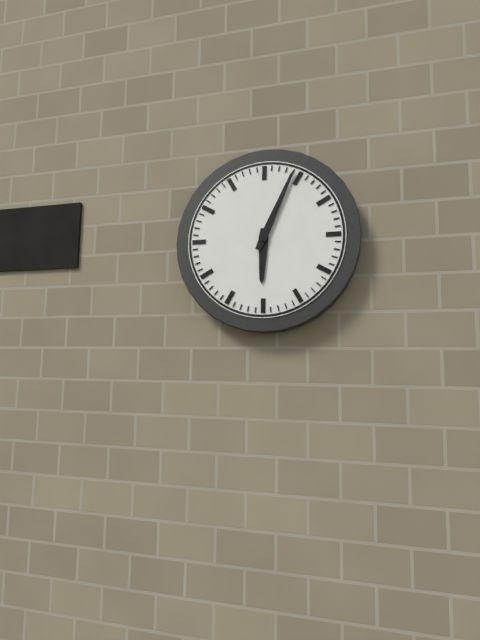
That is 6,04
